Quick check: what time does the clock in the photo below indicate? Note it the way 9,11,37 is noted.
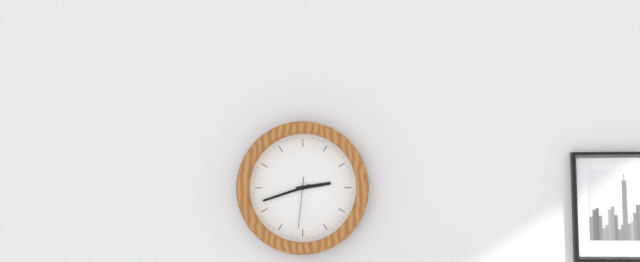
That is 2,42,31
